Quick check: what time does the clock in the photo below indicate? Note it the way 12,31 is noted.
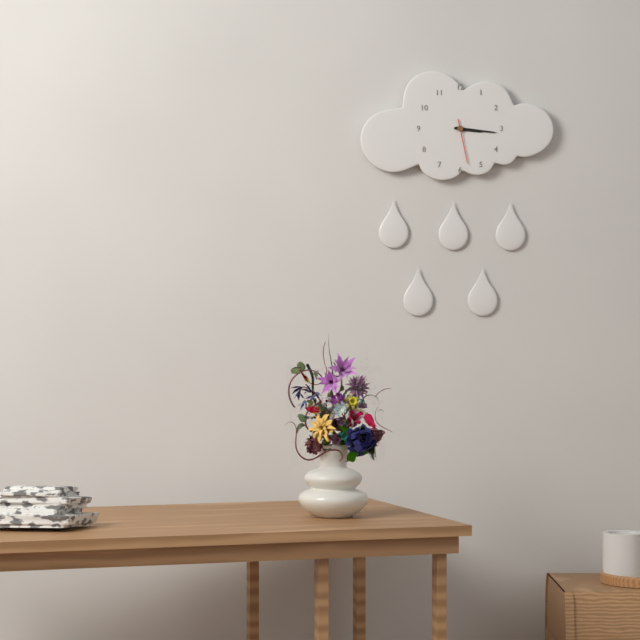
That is 3,16
